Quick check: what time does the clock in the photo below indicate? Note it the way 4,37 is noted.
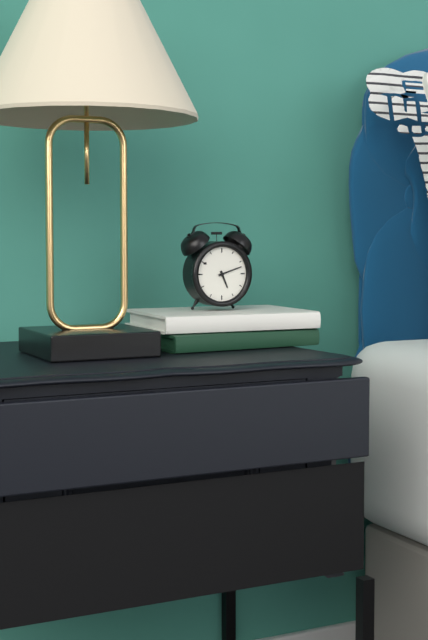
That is 5,12
